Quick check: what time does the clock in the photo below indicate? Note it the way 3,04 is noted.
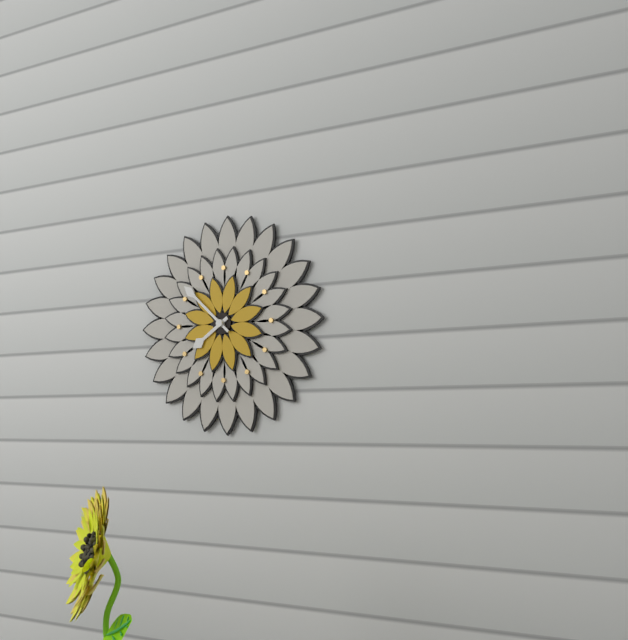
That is 7,52
